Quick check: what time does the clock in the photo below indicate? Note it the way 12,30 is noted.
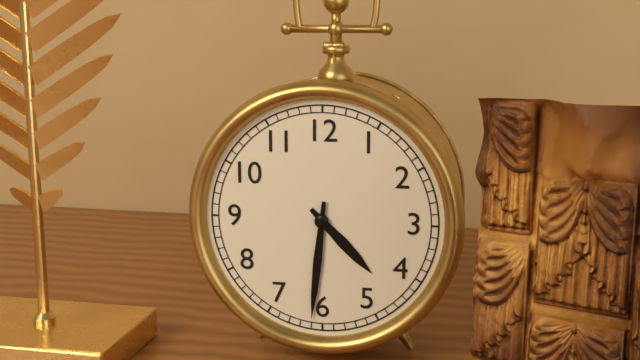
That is 4,31
